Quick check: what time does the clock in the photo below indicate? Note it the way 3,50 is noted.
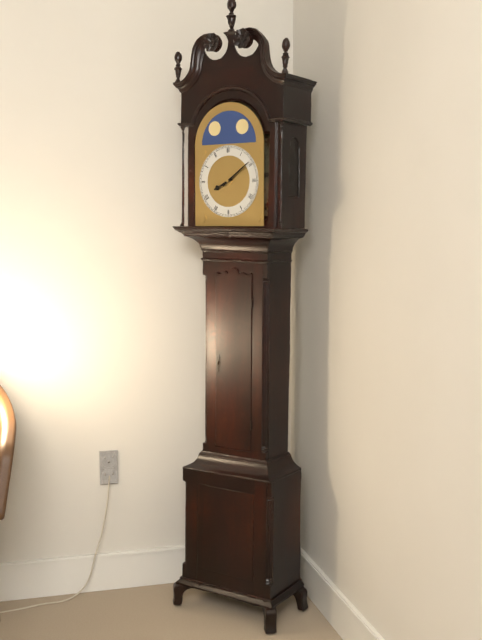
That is 8,09
